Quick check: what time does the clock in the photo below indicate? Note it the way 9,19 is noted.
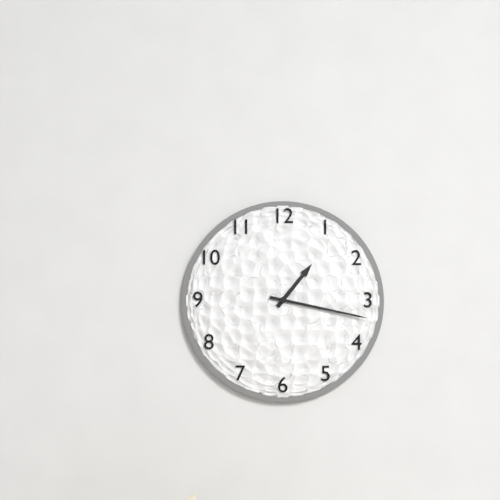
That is 1,17
